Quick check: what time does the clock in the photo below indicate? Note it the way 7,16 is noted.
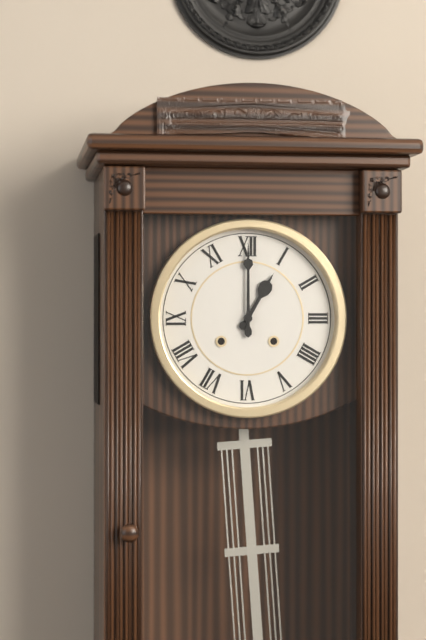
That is 1,00
